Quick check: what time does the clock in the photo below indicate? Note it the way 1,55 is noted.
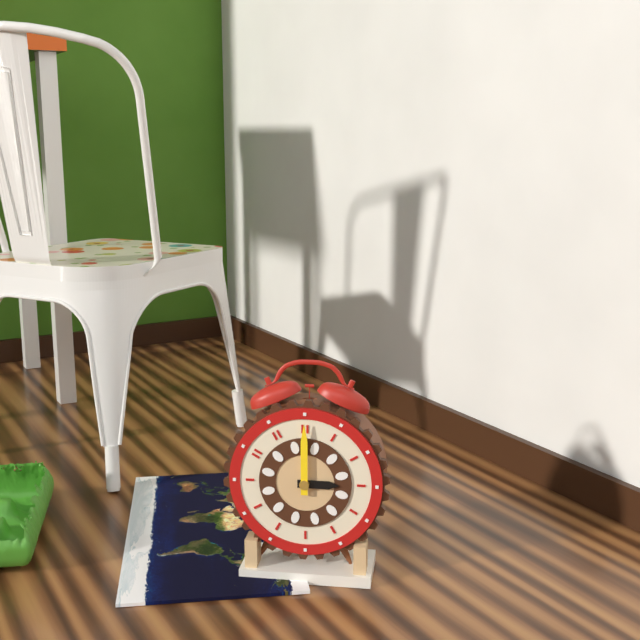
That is 3,00
